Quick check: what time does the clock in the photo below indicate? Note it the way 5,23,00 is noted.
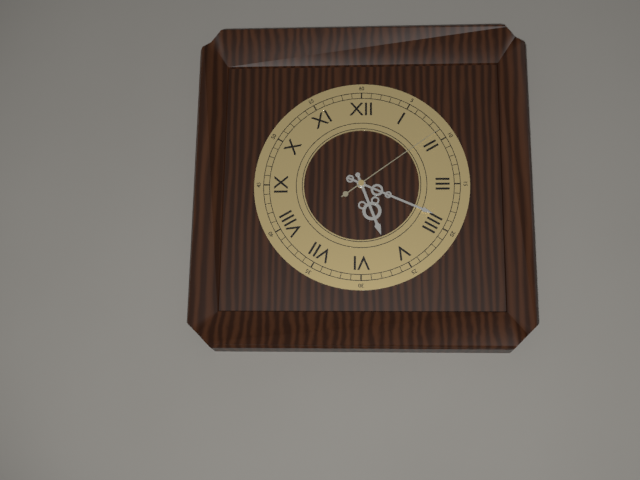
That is 5,19,09
